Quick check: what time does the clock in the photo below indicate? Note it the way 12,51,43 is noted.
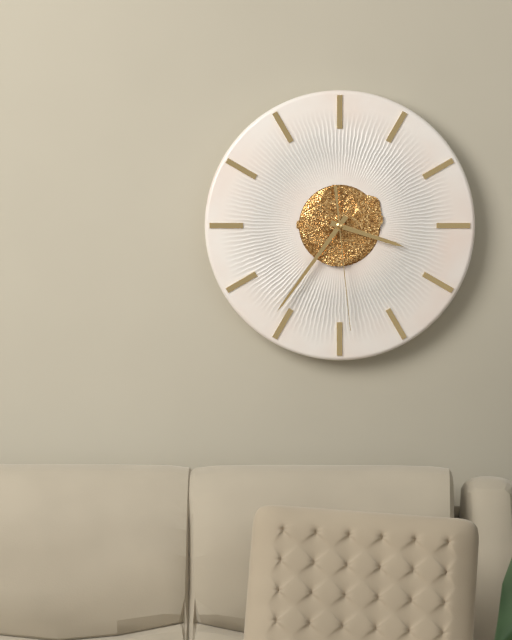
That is 3,36,29
